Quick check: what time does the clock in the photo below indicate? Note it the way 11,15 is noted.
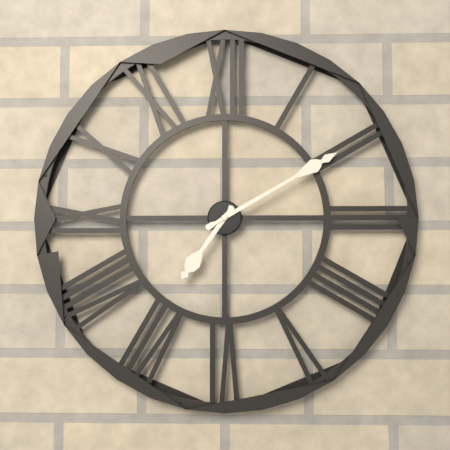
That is 7,10
